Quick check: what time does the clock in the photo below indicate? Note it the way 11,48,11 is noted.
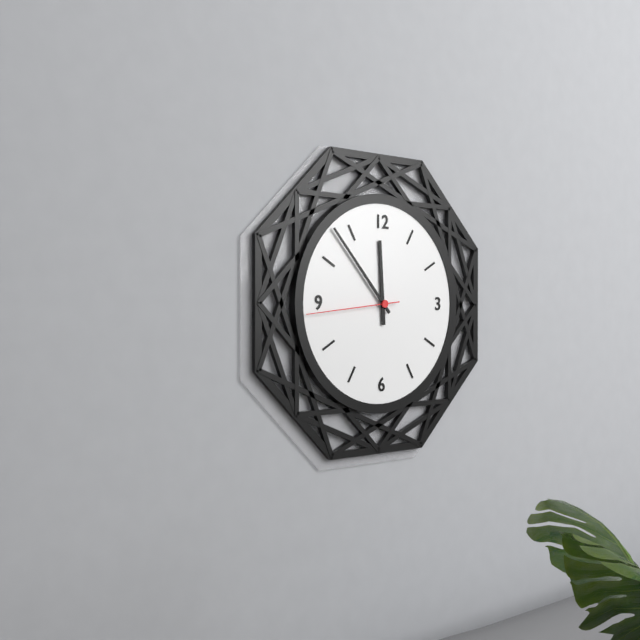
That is 11,53,44
